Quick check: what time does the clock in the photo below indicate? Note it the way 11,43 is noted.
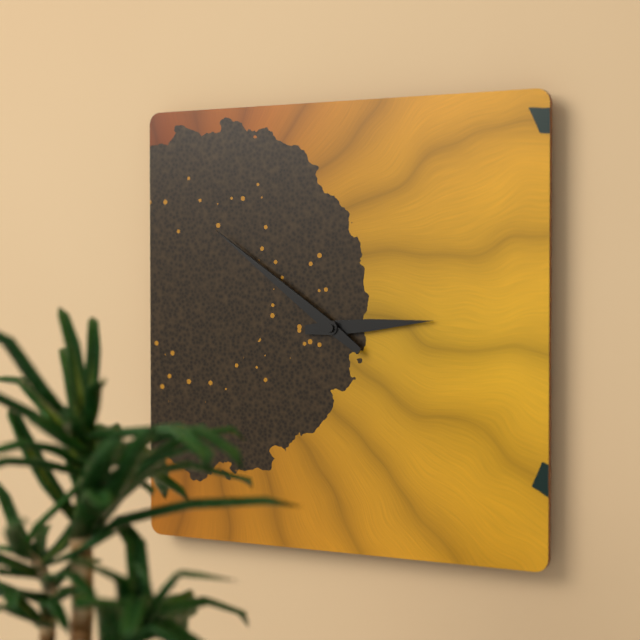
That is 2,51
